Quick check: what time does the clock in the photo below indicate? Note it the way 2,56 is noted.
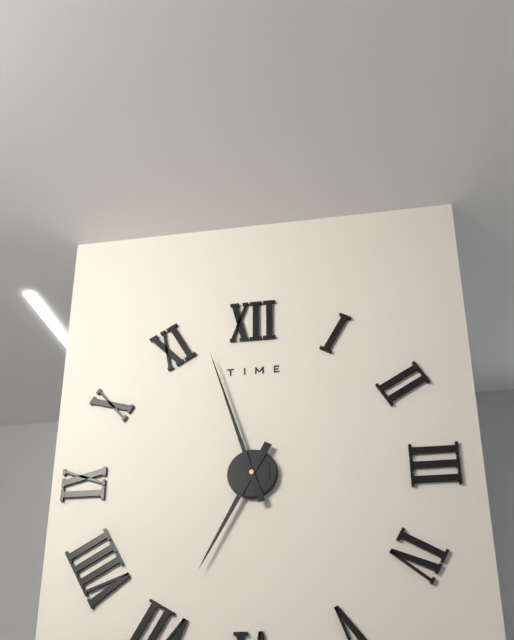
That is 6,57
